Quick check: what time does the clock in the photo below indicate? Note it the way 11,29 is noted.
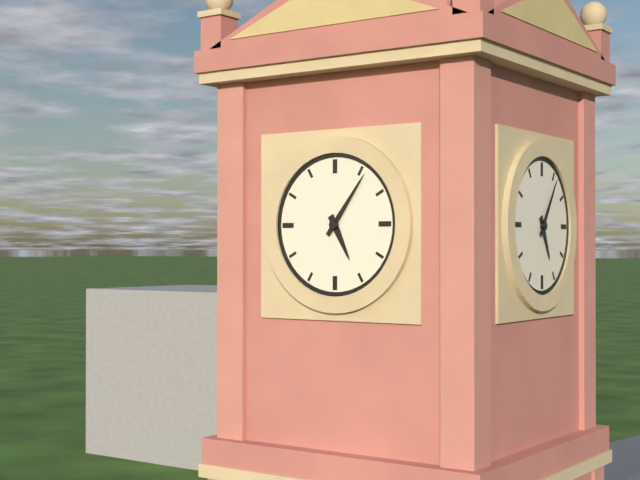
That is 5,06
